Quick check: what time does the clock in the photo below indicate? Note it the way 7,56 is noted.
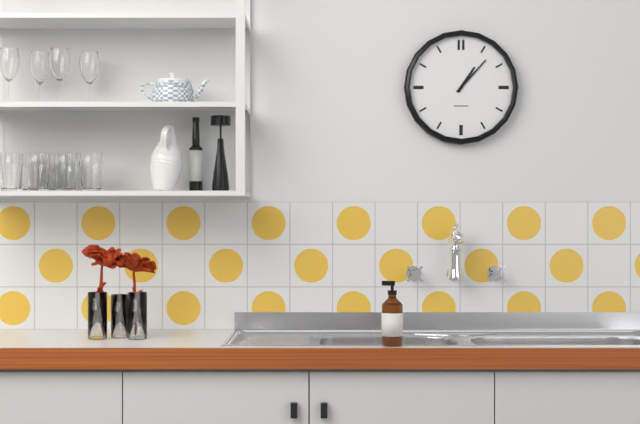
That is 1,07
